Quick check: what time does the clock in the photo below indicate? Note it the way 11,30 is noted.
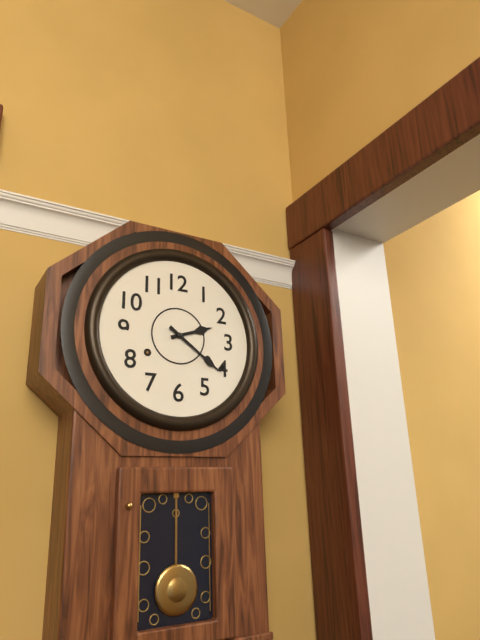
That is 2,21
